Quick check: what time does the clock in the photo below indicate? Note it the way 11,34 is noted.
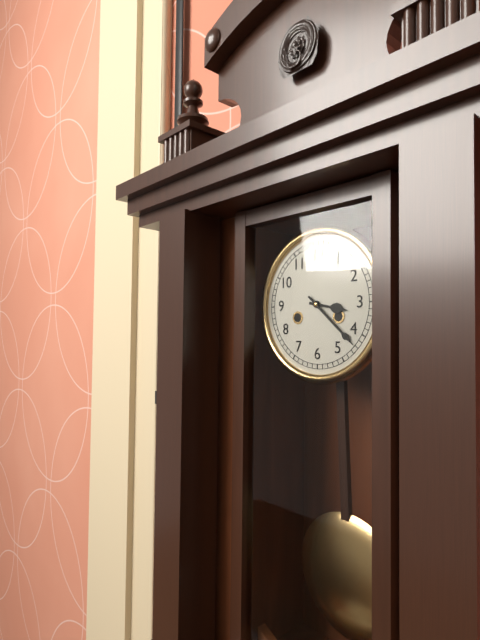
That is 3,22
